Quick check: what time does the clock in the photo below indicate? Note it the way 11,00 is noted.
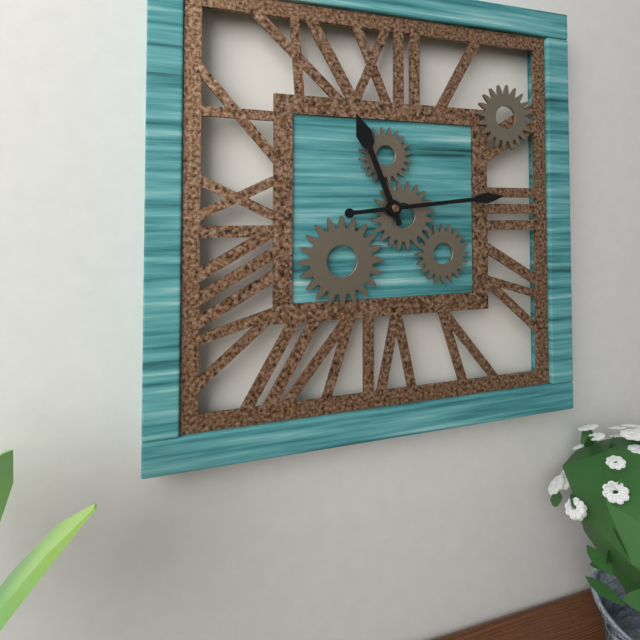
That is 11,14
